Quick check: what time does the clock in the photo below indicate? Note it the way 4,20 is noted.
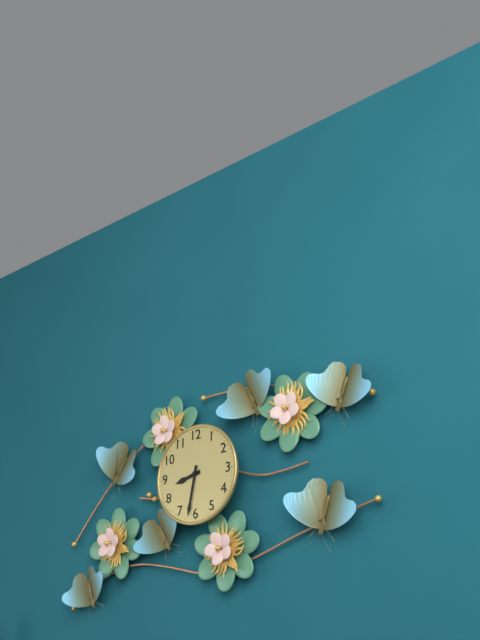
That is 8,32
